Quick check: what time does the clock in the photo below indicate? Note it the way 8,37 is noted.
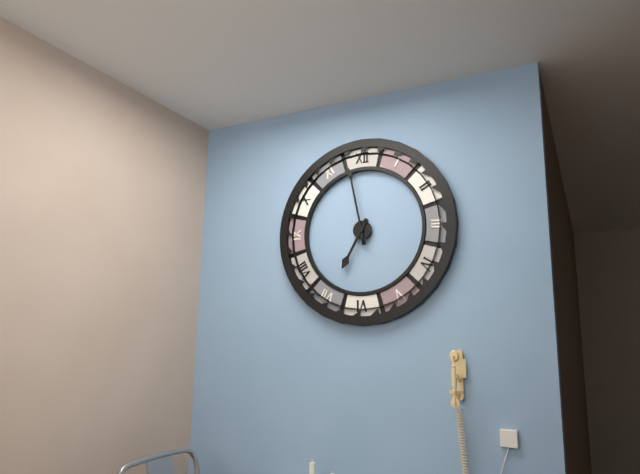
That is 6,58
